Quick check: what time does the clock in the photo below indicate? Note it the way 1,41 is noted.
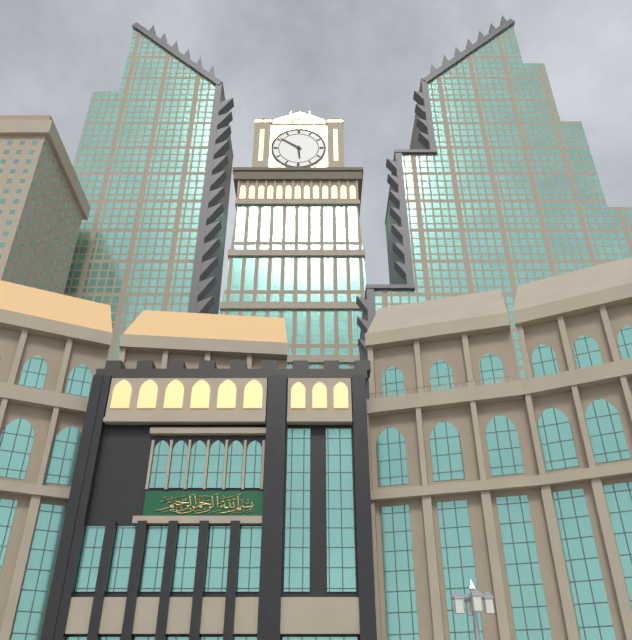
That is 5,51
